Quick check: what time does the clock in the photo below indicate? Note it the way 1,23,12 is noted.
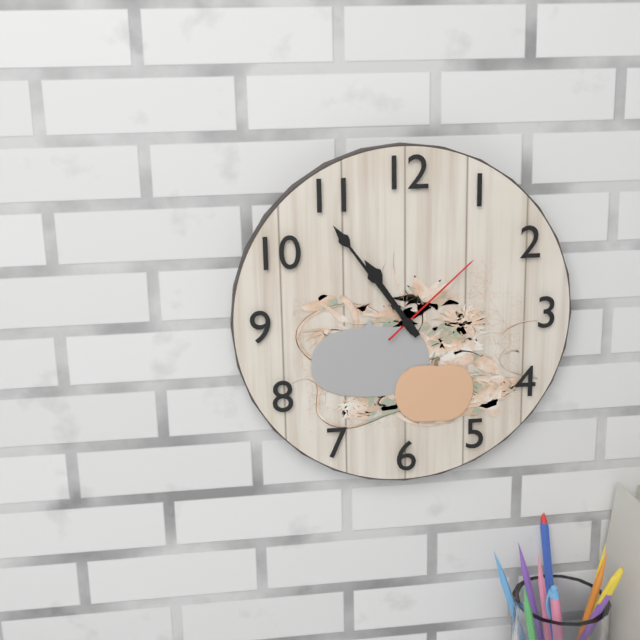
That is 10,54,08
